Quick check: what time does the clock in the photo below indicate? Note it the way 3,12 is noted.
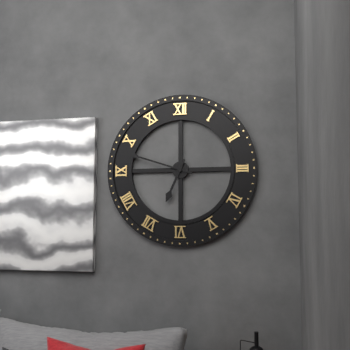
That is 6,48
